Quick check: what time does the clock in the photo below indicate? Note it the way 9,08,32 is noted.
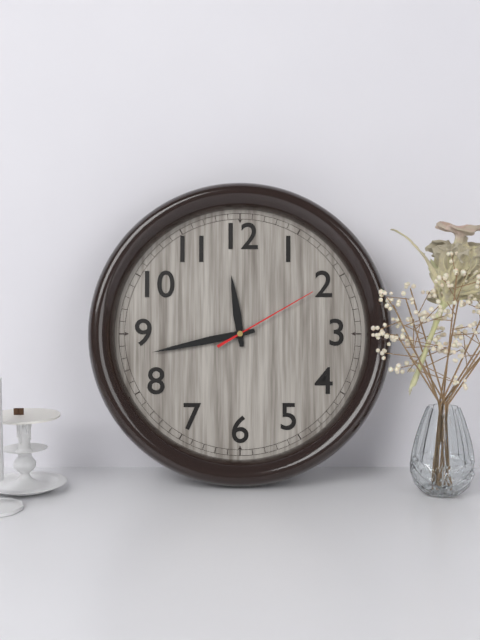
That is 11,43,10
